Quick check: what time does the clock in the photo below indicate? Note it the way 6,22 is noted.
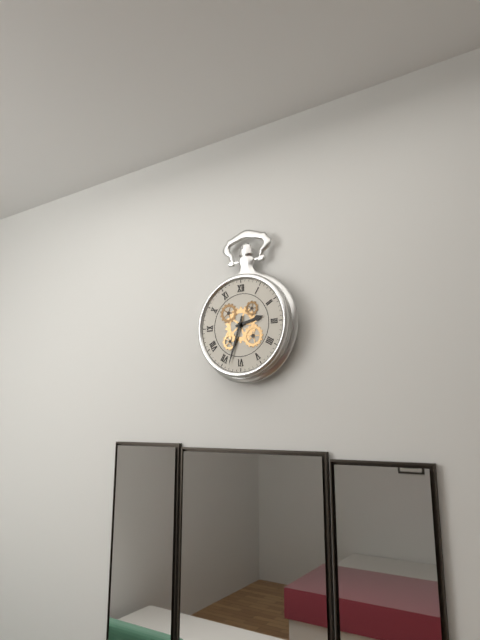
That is 2,33
